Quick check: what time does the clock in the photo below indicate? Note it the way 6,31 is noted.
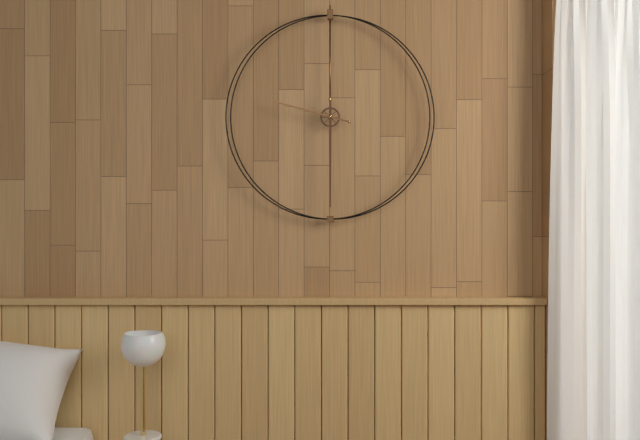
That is 9,30
